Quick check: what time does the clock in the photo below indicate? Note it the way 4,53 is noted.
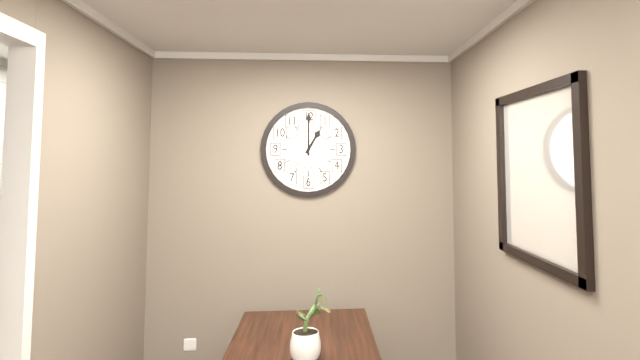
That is 1,00
